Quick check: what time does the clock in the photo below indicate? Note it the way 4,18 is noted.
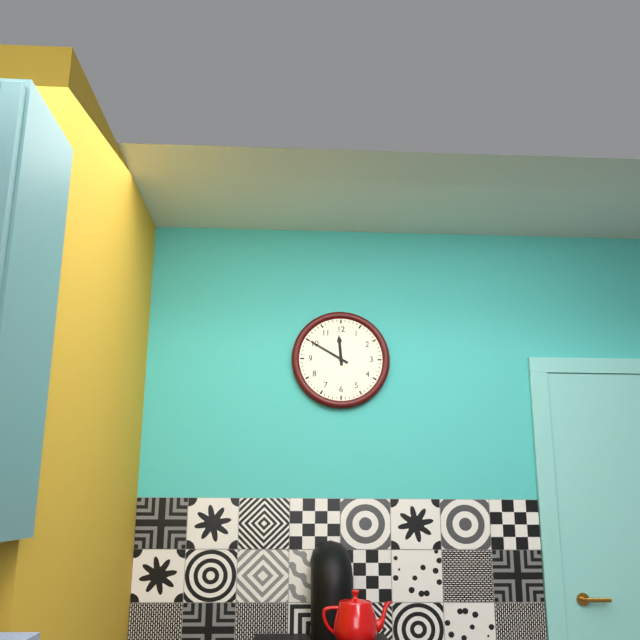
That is 11,50
